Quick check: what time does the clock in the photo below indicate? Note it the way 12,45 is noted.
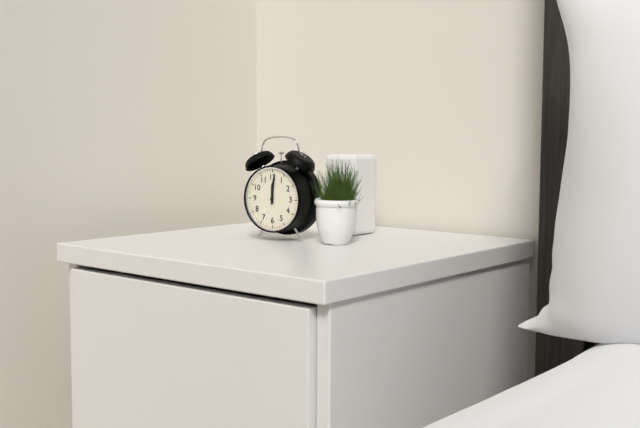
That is 12,01
